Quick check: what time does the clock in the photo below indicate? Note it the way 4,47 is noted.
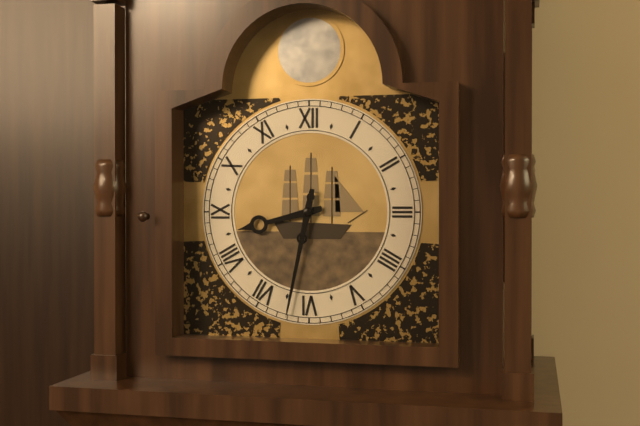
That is 8,32
